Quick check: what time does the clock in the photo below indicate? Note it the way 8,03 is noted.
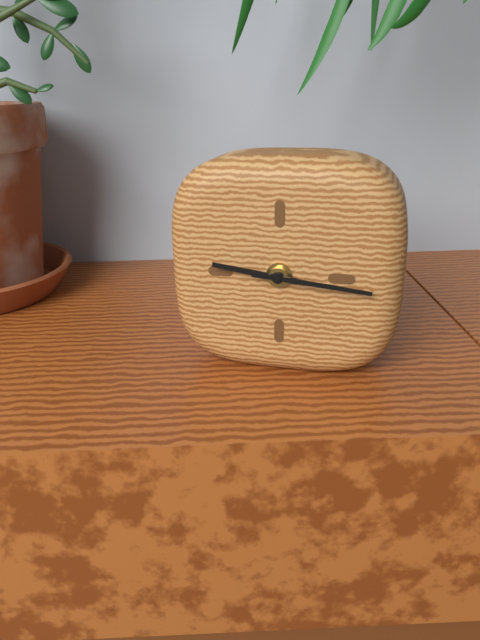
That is 9,16
